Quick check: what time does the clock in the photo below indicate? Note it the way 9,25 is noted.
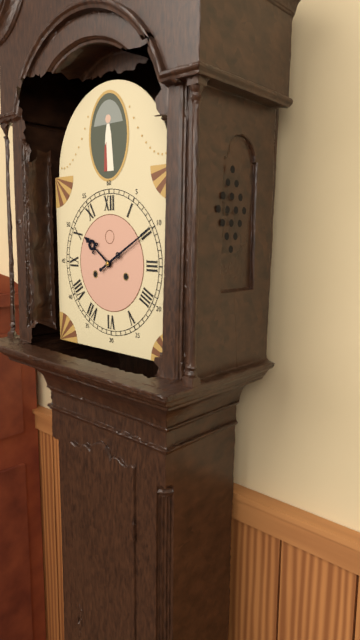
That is 10,10
